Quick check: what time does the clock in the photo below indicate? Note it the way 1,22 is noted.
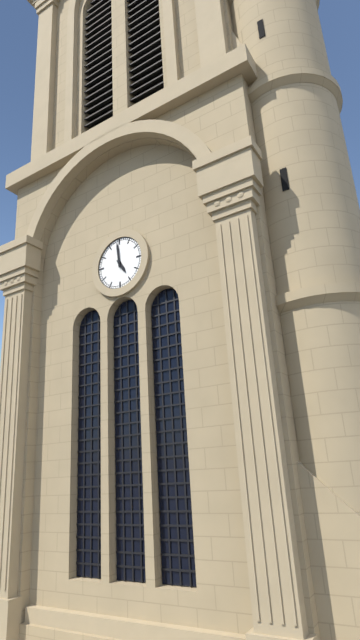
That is 4,59
